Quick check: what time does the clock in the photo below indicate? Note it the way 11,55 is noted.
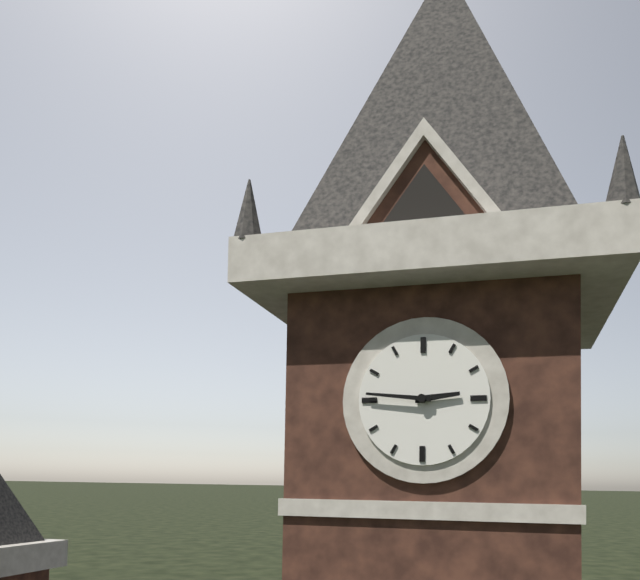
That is 2,46
